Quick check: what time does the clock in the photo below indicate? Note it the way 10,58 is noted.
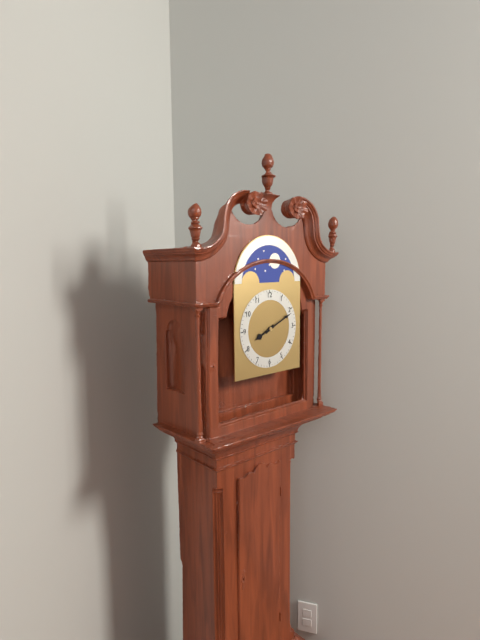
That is 8,11
